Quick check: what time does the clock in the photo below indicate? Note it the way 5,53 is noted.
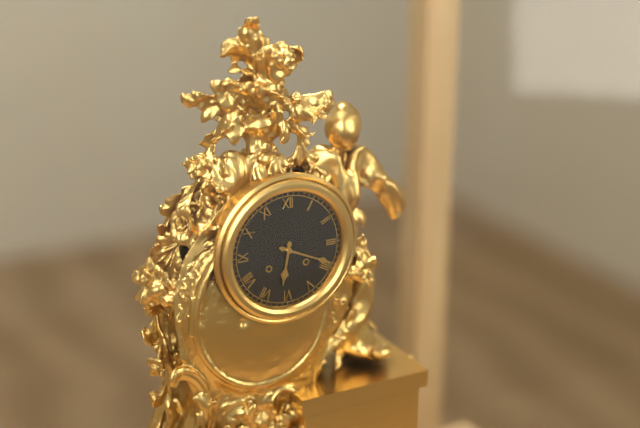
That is 6,19
